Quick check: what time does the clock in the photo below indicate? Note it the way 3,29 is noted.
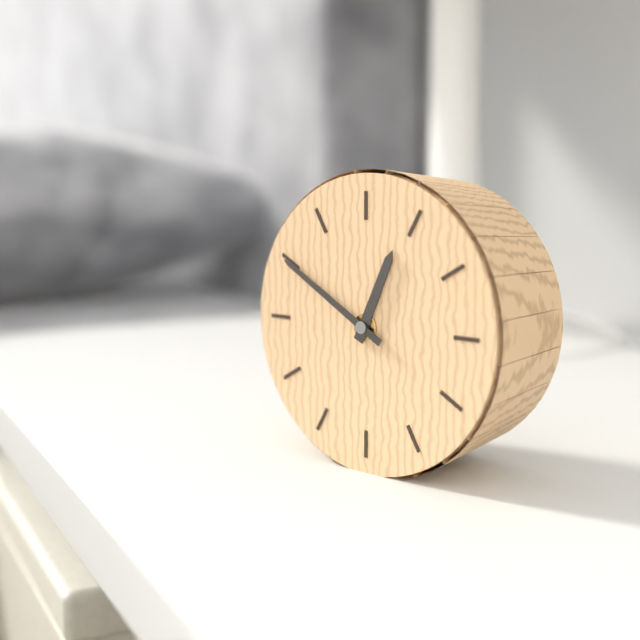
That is 12,50
